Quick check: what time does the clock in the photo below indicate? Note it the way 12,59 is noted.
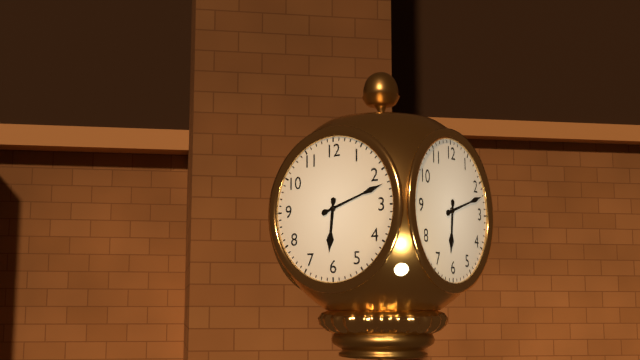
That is 6,12
